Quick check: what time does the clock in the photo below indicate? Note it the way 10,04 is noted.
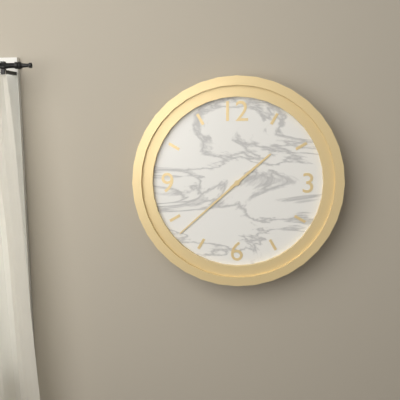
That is 1,38
